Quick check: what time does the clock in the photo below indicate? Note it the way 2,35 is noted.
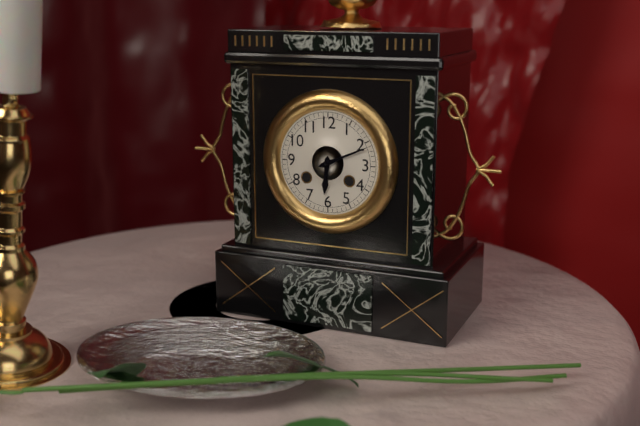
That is 6,11
